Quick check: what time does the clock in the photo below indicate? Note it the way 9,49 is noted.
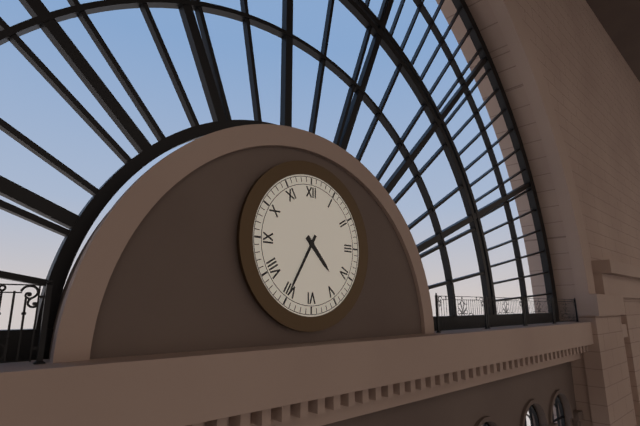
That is 4,35
